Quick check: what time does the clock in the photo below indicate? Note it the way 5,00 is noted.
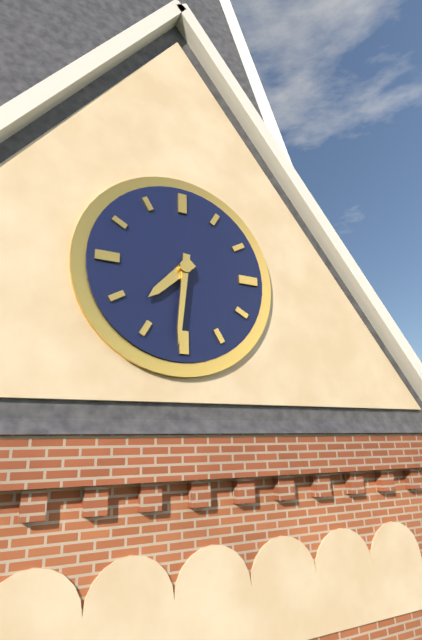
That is 7,31
